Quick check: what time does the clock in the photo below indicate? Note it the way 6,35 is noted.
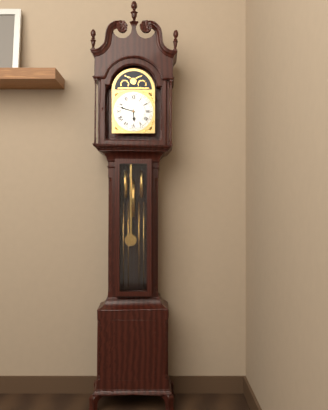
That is 5,48
